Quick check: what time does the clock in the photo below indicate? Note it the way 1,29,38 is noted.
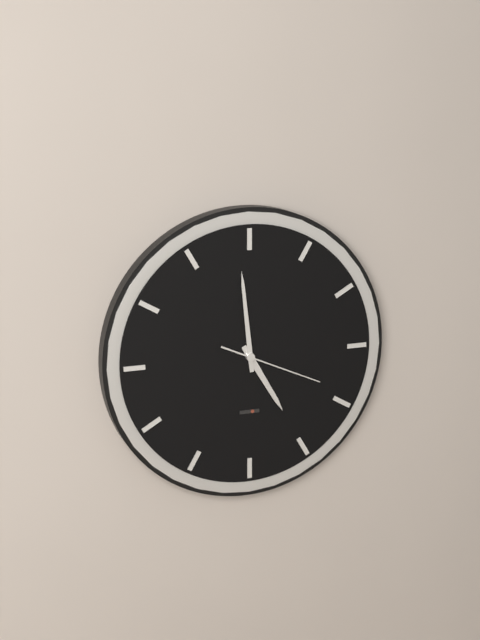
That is 4,59,19
